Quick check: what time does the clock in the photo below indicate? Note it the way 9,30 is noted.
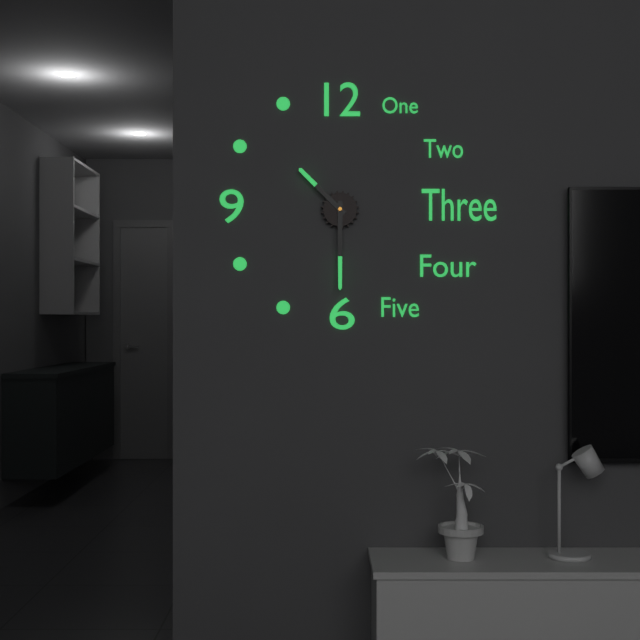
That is 10,30
